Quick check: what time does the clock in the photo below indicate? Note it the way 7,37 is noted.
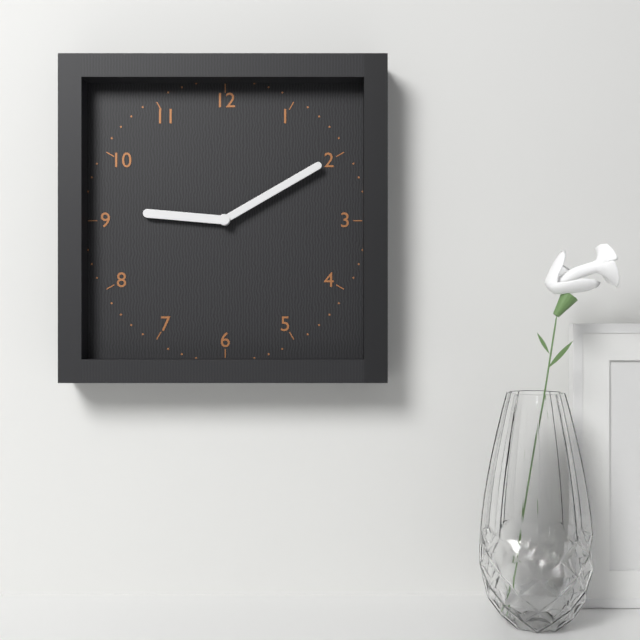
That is 9,10
